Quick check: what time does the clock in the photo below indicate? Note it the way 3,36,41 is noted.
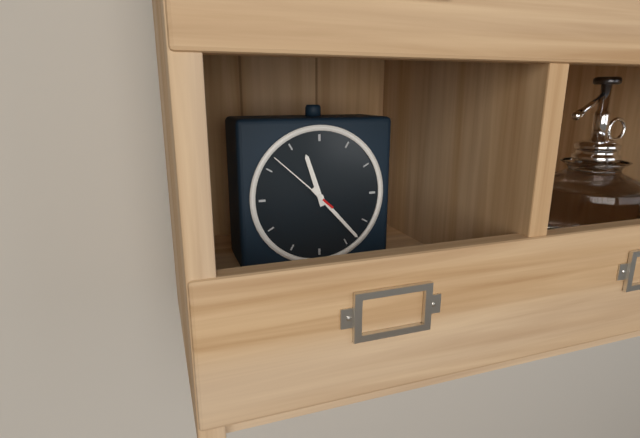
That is 11,23,52
